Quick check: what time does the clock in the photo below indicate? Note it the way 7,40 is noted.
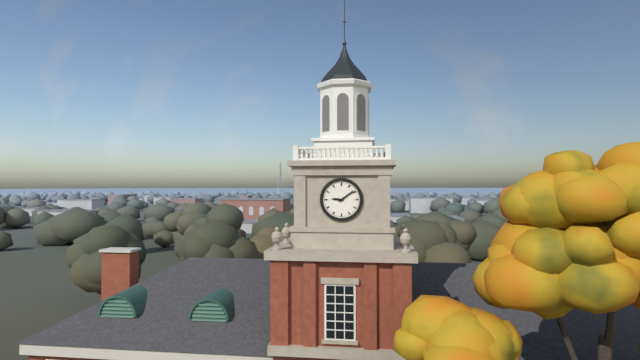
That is 9,09
